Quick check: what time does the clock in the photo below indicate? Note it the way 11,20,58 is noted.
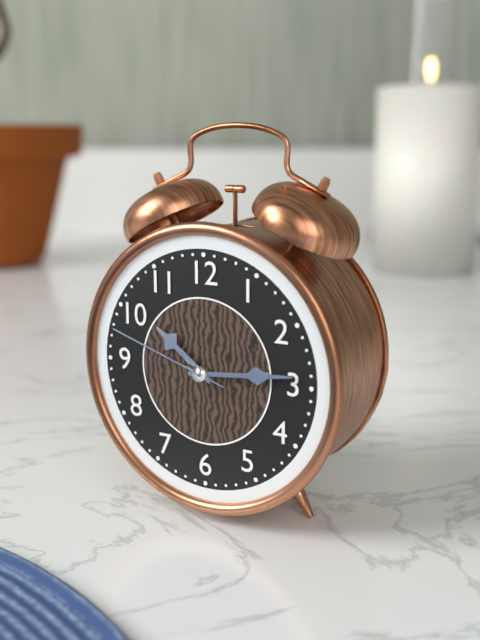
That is 10,14,48
